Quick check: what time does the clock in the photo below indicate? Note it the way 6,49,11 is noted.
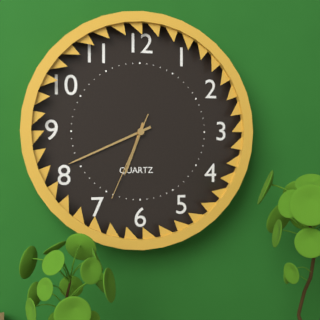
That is 6,41,34
